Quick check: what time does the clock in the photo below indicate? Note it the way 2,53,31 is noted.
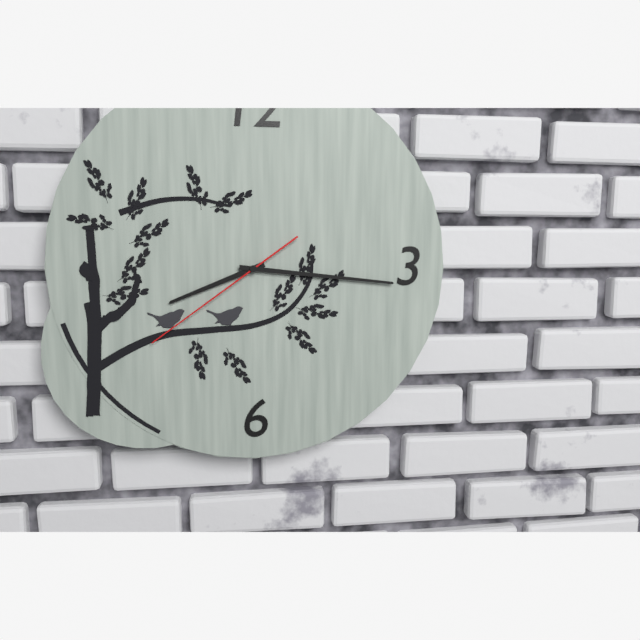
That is 8,16,39
